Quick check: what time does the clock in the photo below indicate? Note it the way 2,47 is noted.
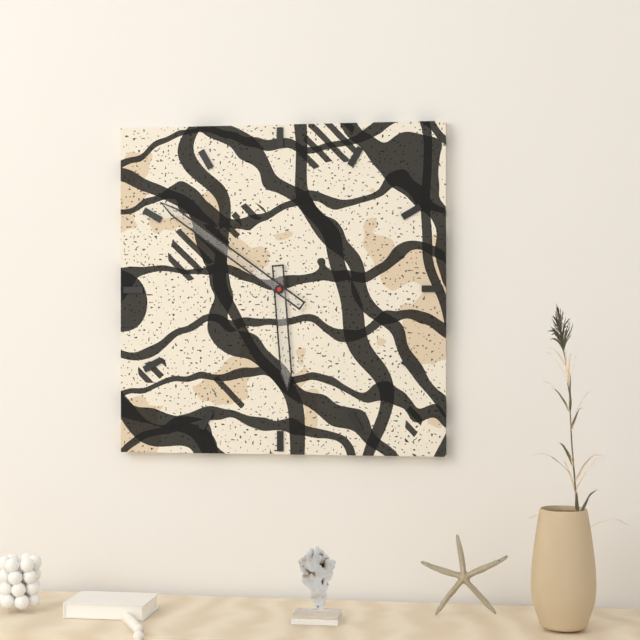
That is 5,51
